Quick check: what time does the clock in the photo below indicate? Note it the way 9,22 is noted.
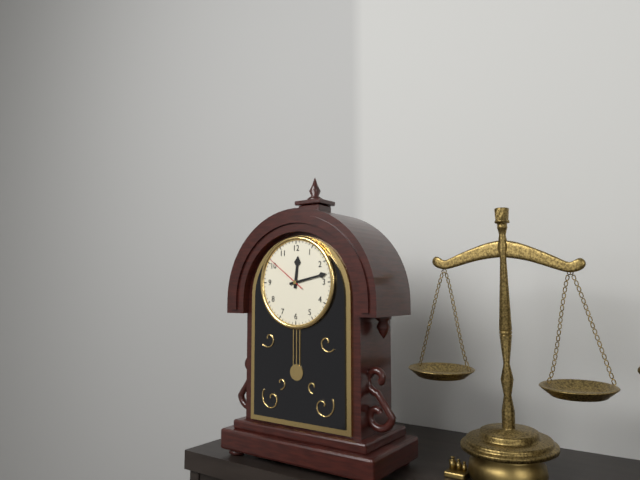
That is 12,13
